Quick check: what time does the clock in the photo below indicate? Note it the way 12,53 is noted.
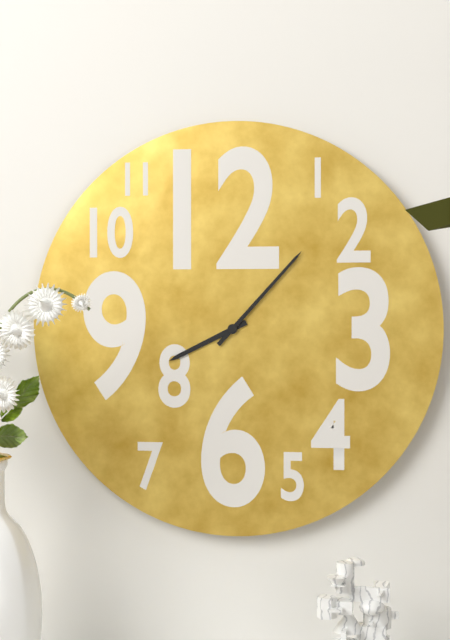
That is 8,07
